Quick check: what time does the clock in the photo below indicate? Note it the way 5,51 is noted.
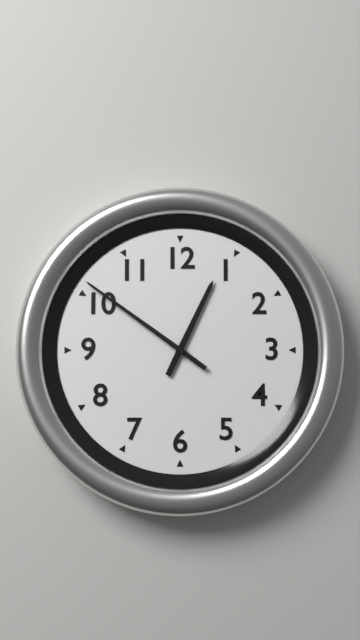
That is 12,51
